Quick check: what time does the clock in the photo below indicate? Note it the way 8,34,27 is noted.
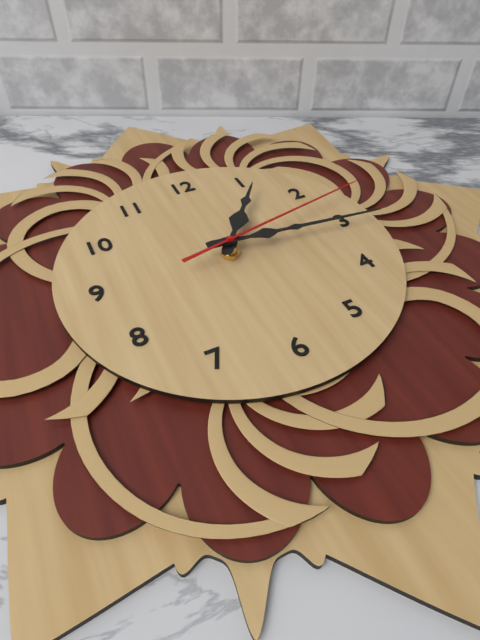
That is 1,16,13
